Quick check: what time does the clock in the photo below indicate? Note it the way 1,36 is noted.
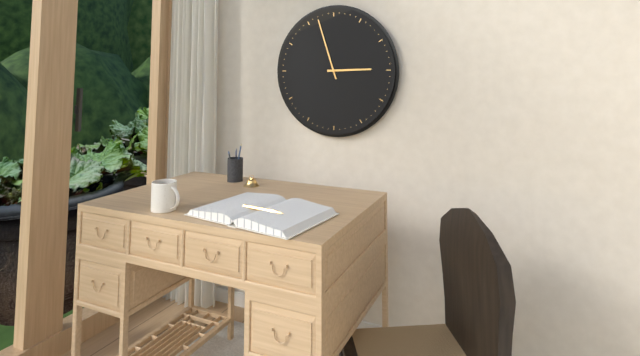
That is 2,57
